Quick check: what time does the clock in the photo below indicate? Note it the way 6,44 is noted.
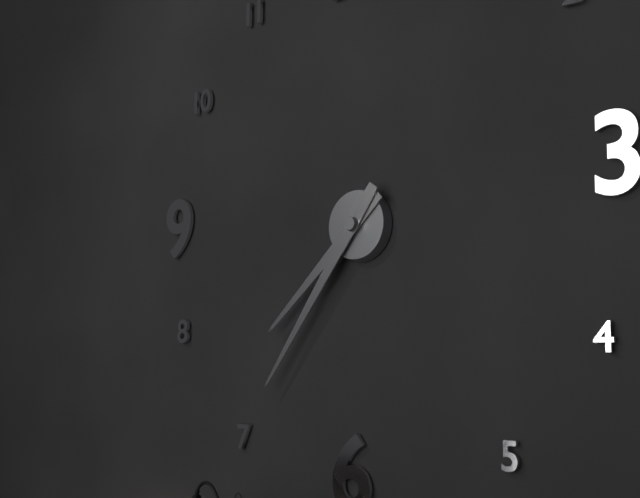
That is 7,36
